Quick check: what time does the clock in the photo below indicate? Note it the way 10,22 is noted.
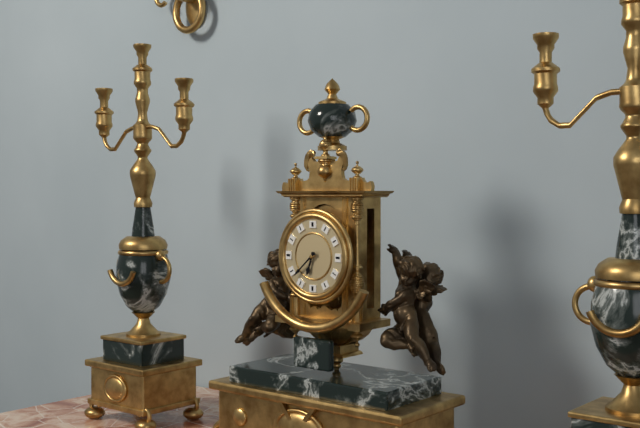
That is 6,38
